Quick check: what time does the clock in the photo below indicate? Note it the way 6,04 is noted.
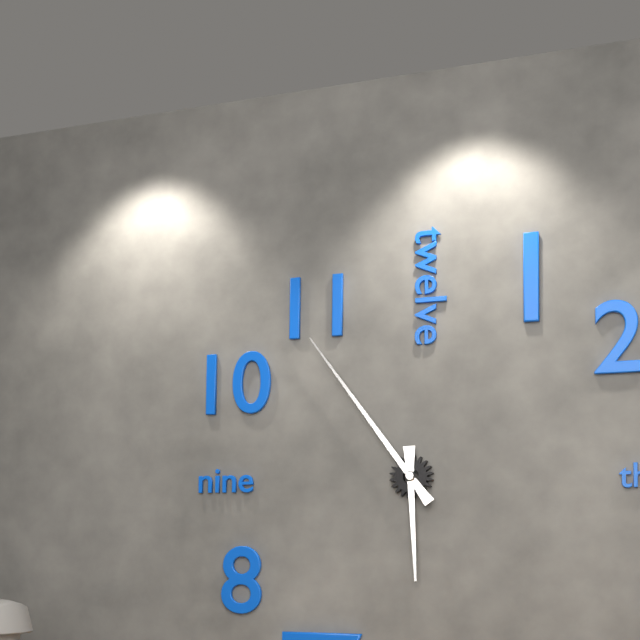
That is 5,54
